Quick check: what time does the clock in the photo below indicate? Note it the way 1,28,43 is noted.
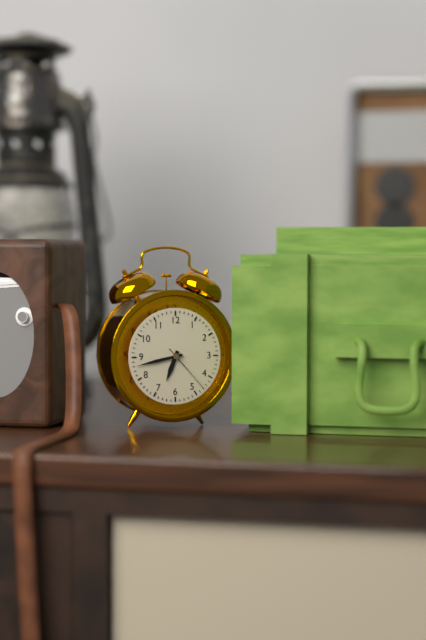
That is 6,43,23
